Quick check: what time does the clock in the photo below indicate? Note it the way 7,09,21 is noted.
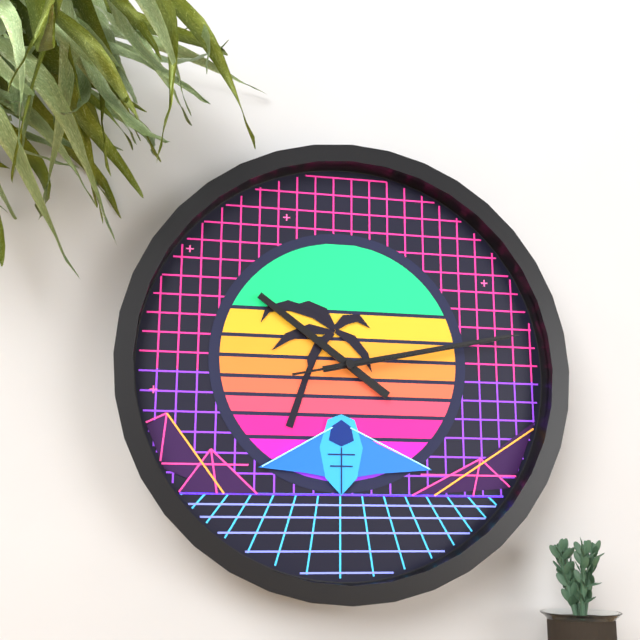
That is 10,13,13
